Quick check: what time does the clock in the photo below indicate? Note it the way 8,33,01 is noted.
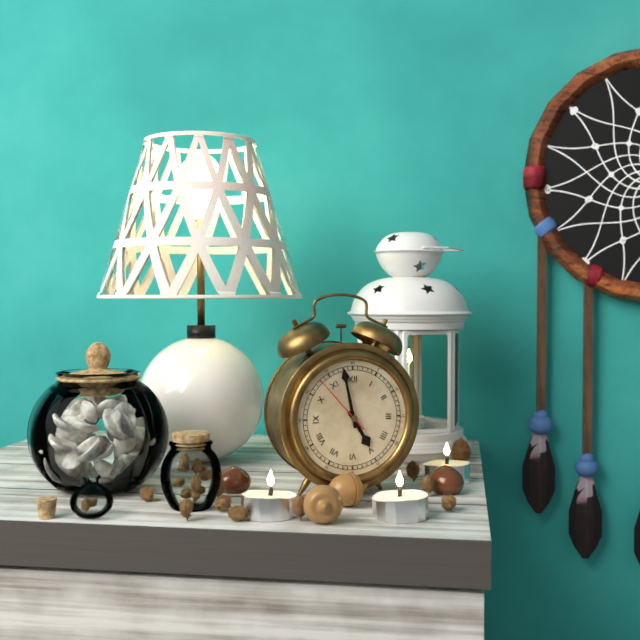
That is 4,58,53
